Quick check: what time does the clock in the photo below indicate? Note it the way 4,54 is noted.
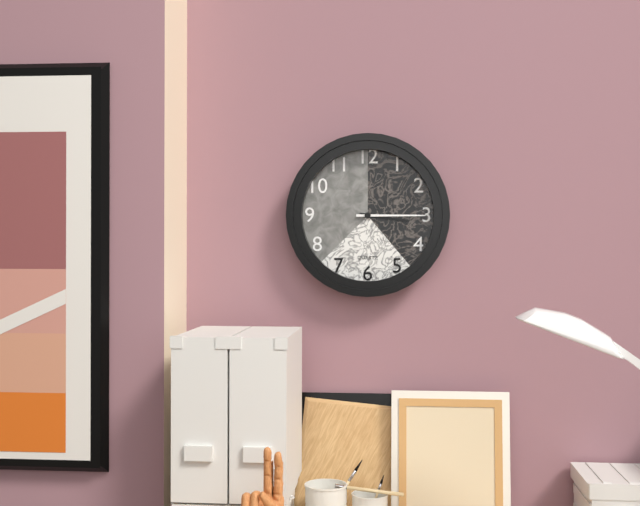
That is 3,15
